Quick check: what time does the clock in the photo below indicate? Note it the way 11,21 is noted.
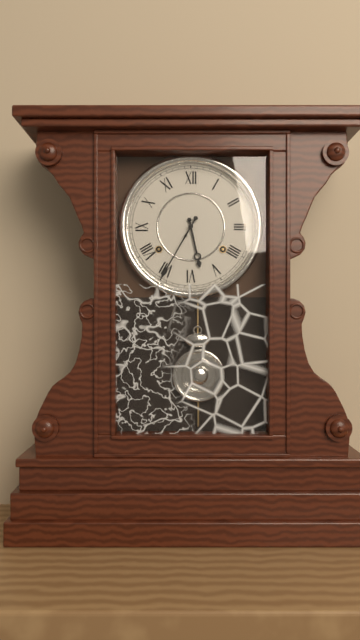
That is 5,35
